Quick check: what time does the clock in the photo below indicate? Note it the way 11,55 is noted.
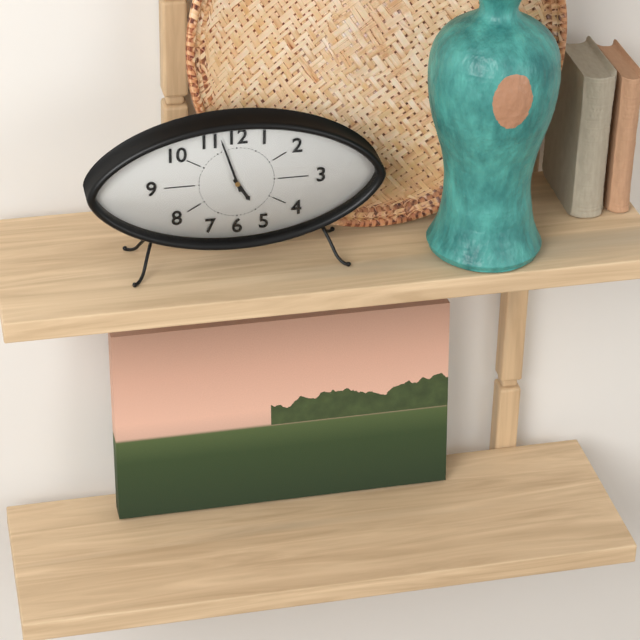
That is 4,57
